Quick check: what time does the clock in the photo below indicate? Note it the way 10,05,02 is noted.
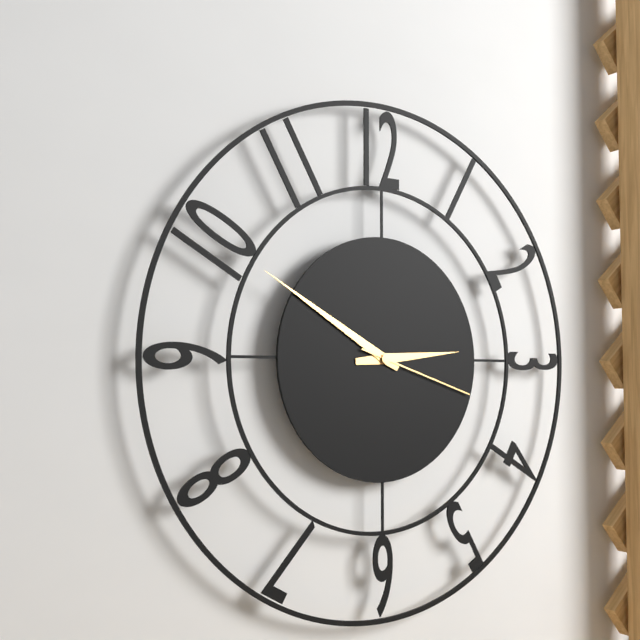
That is 2,50,18
